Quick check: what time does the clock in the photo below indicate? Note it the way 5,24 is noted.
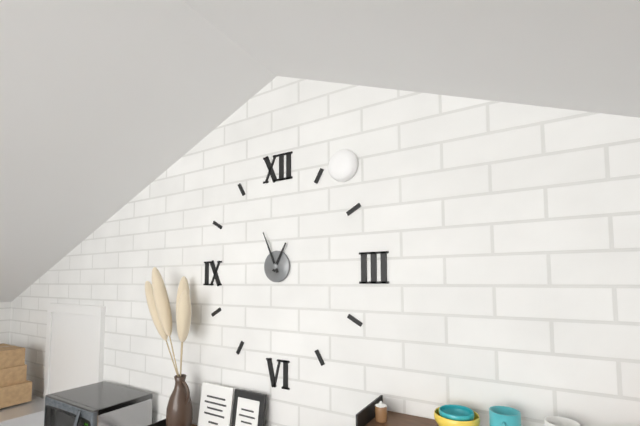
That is 12,56
